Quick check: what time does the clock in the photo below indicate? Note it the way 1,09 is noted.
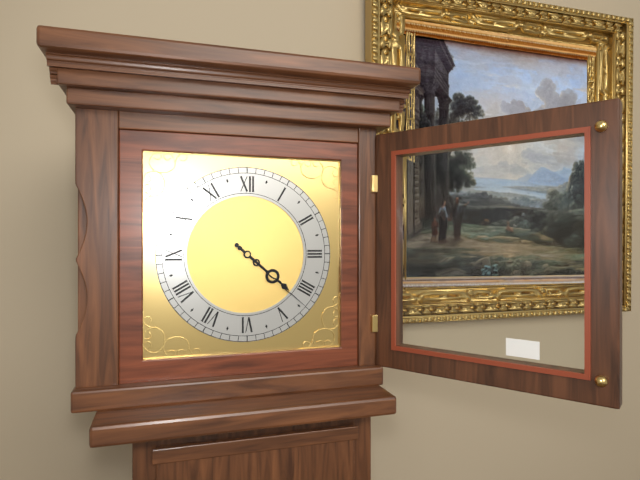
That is 4,22
